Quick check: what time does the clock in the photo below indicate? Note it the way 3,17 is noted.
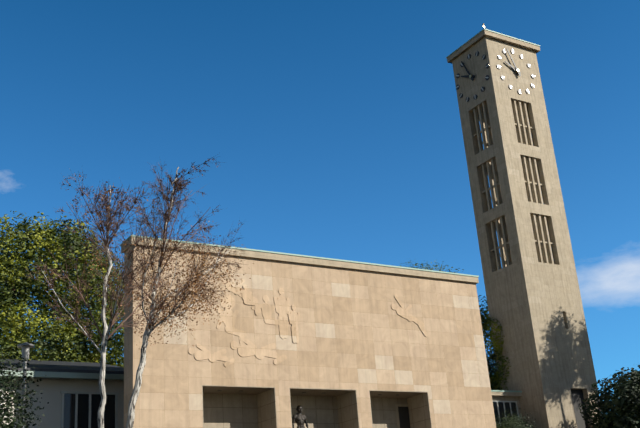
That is 9,56
